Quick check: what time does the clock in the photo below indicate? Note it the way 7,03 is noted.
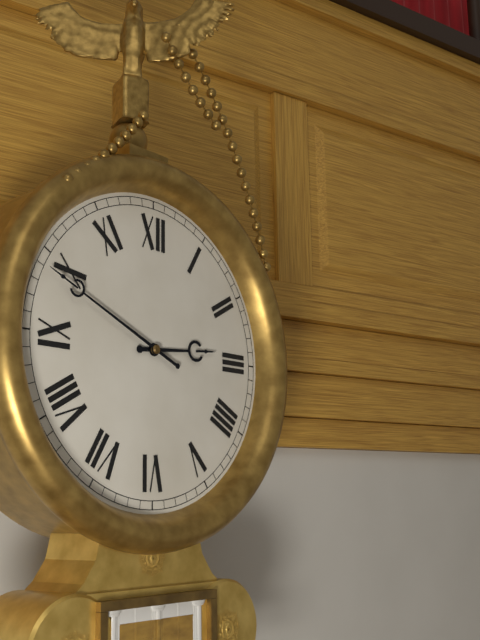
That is 2,49
